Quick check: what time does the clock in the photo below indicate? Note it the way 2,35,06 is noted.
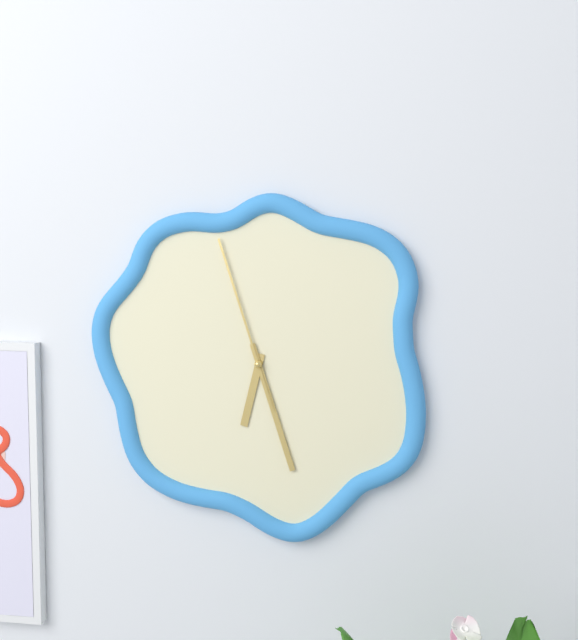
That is 6,27,57
